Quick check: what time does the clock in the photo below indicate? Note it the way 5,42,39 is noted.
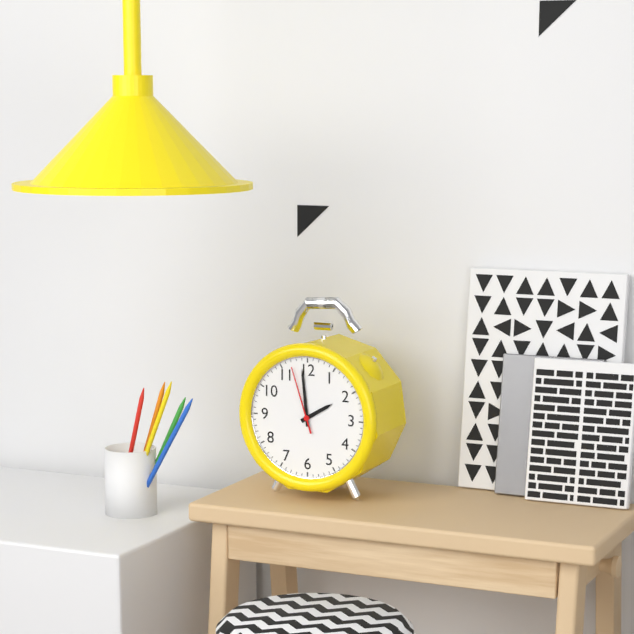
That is 1,59,57
